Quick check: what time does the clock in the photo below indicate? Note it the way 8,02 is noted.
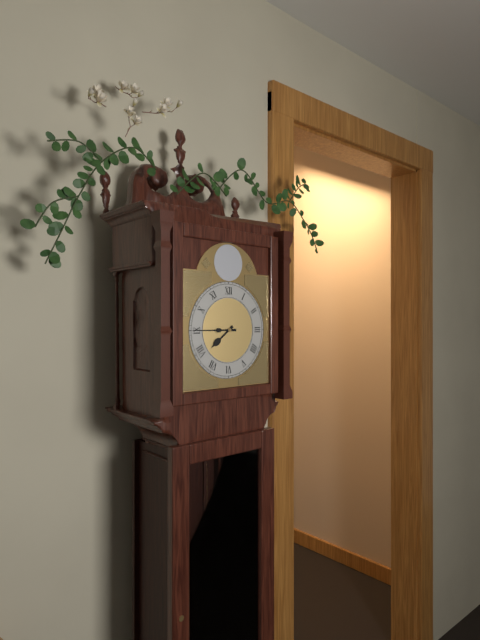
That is 7,45
